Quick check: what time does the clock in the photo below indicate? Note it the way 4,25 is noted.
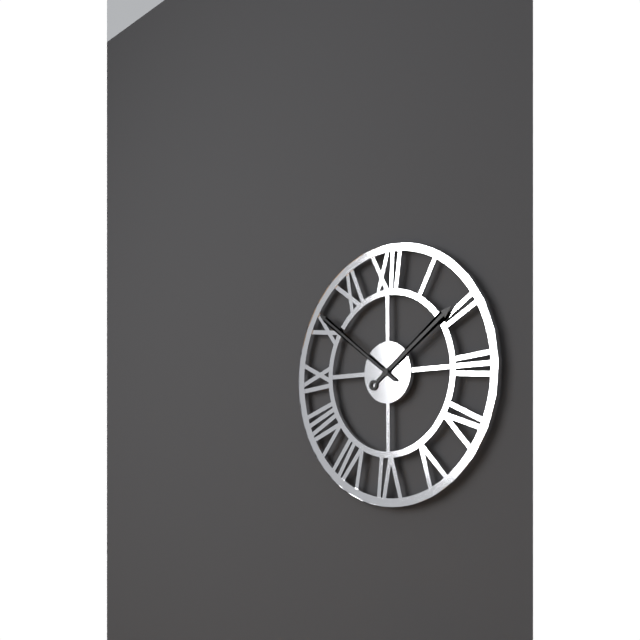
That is 1,51
